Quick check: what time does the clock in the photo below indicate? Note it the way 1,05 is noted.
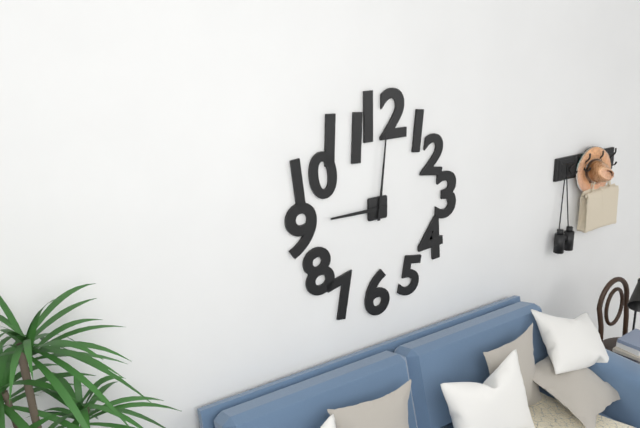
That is 9,01
